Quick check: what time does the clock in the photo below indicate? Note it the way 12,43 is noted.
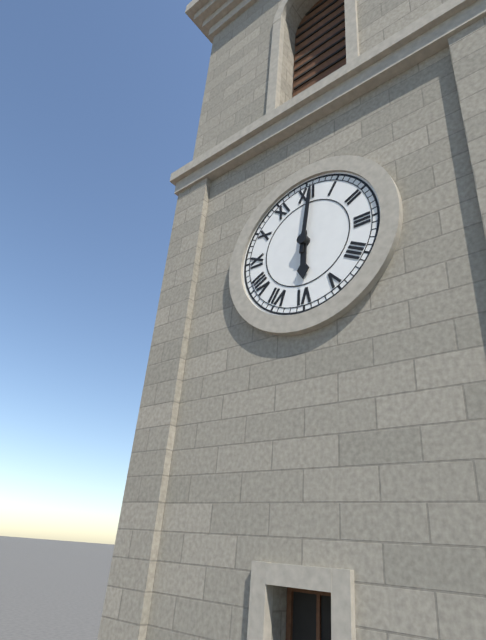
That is 6,01
